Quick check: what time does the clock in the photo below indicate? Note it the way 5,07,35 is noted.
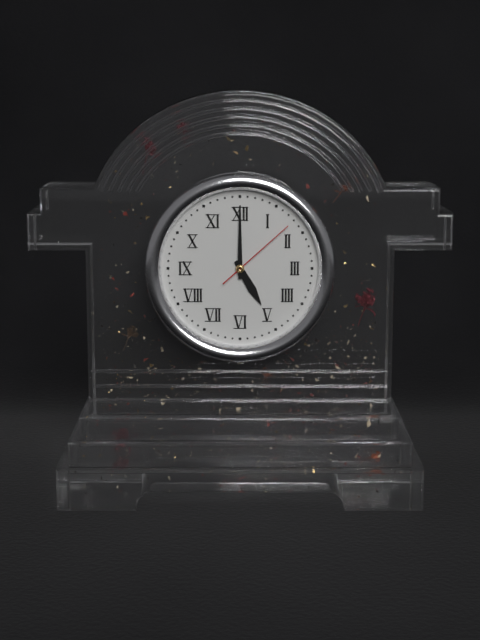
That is 5,00,08
